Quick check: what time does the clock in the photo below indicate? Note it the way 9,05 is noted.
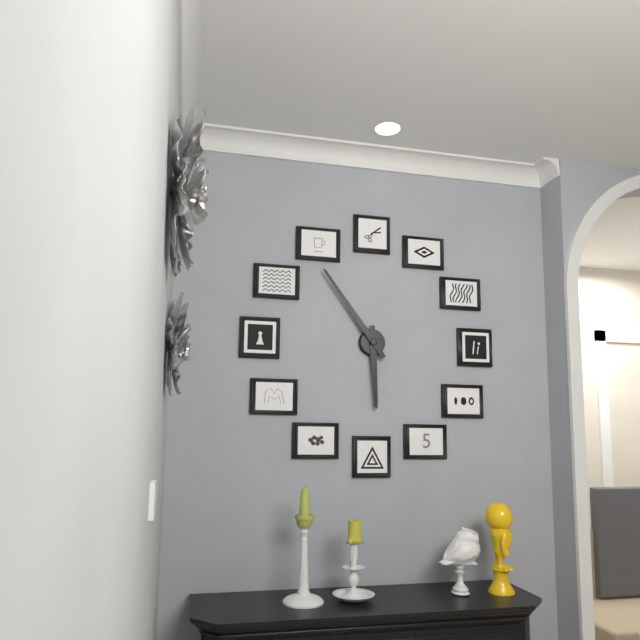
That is 5,54
